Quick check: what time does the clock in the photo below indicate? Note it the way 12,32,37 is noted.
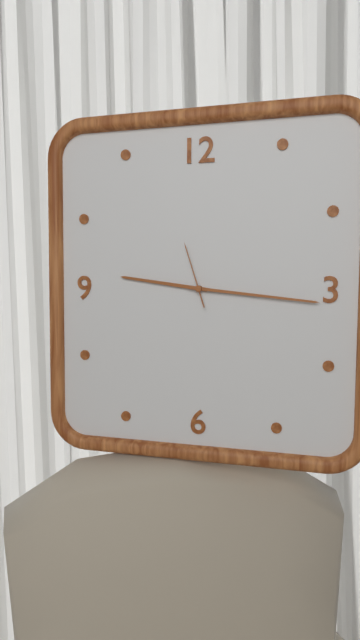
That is 9,16,57
